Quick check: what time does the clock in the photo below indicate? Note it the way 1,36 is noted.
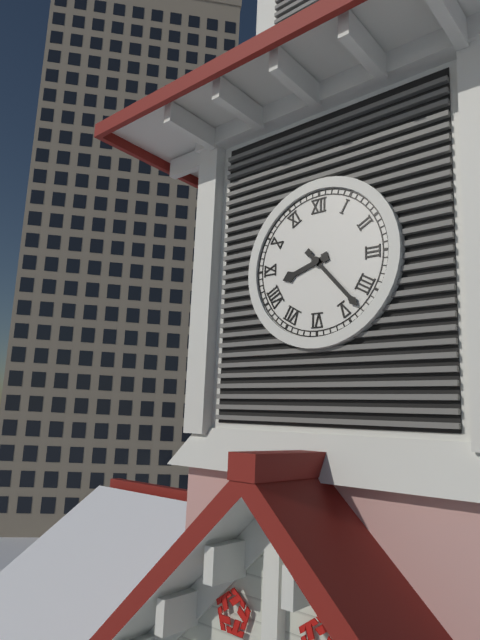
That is 8,23
